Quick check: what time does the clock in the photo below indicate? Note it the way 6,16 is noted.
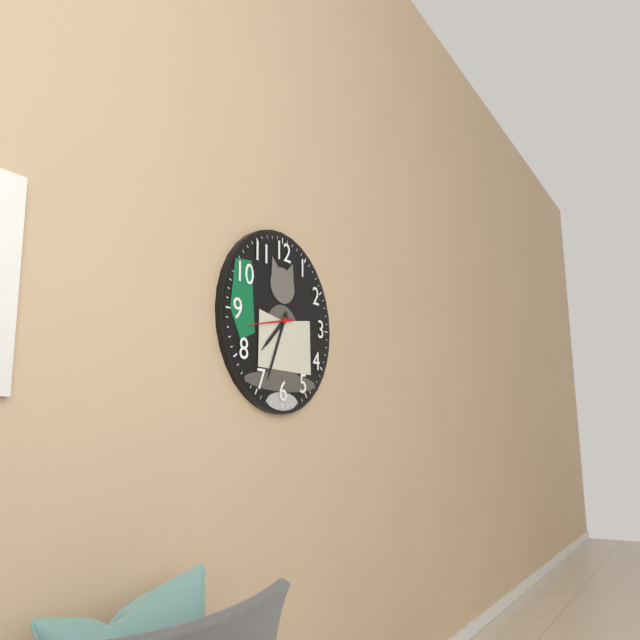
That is 7,34
